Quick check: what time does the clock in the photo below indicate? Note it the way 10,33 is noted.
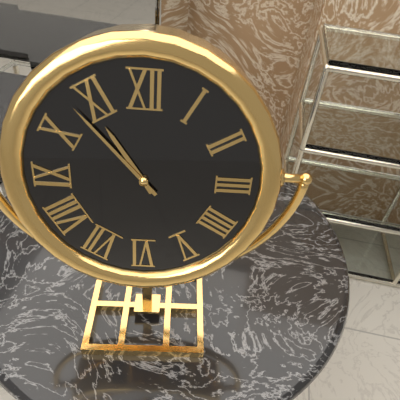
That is 10,53
